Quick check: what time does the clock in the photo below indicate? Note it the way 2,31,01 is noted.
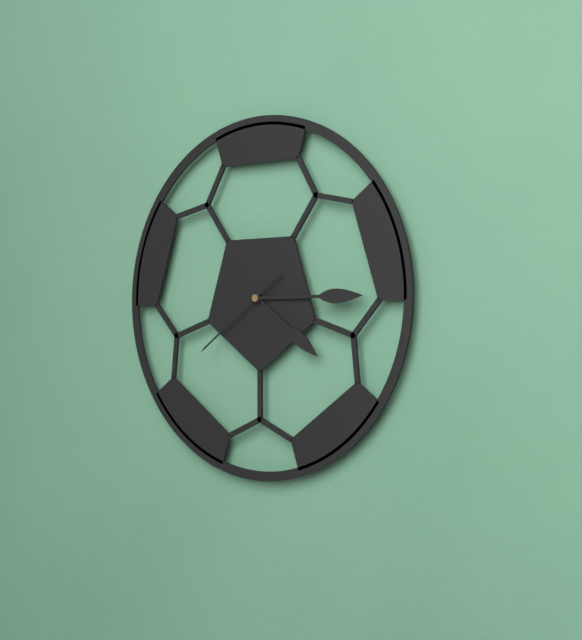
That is 4,15,39
